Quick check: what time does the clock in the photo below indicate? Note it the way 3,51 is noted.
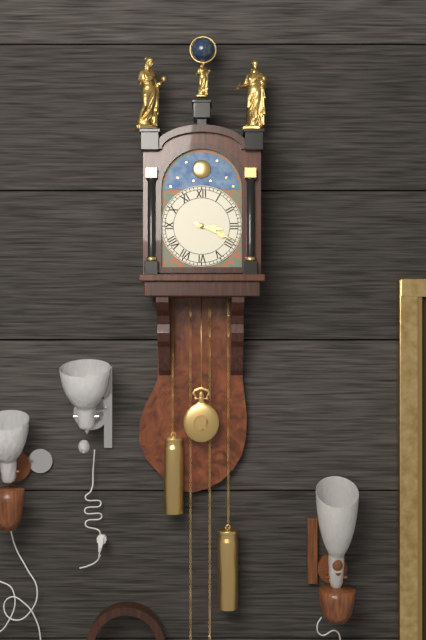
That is 3,19
